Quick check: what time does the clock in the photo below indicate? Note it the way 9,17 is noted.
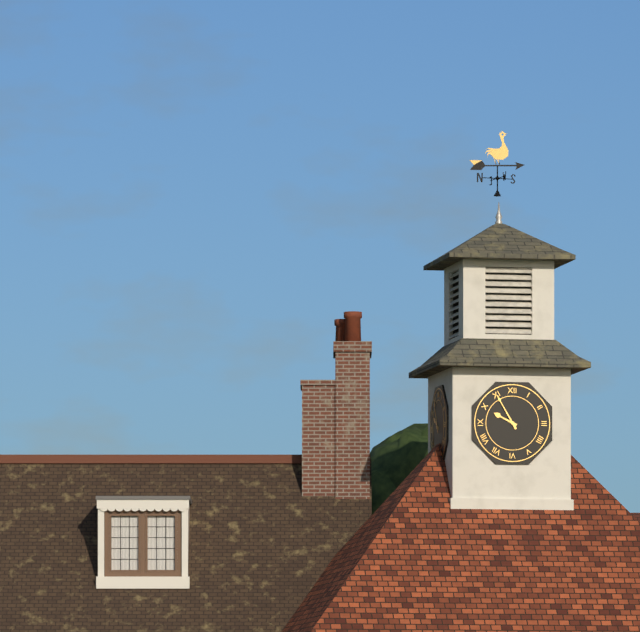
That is 9,55
